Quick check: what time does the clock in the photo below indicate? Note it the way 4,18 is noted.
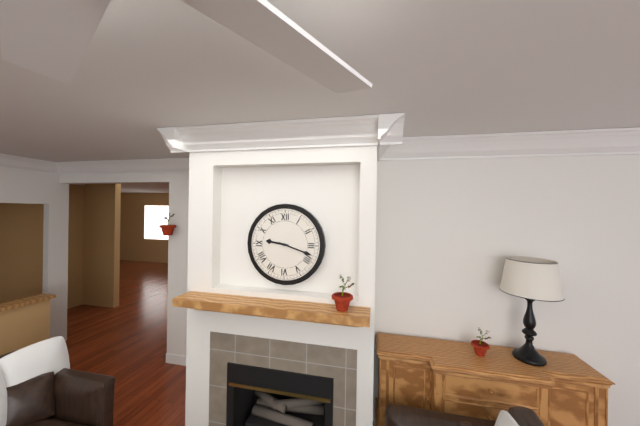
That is 9,18
